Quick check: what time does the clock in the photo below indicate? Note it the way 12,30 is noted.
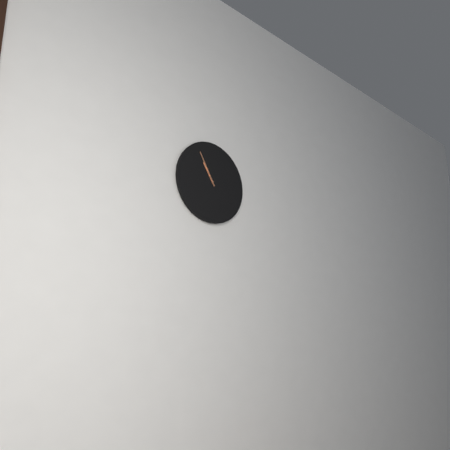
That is 10,55
